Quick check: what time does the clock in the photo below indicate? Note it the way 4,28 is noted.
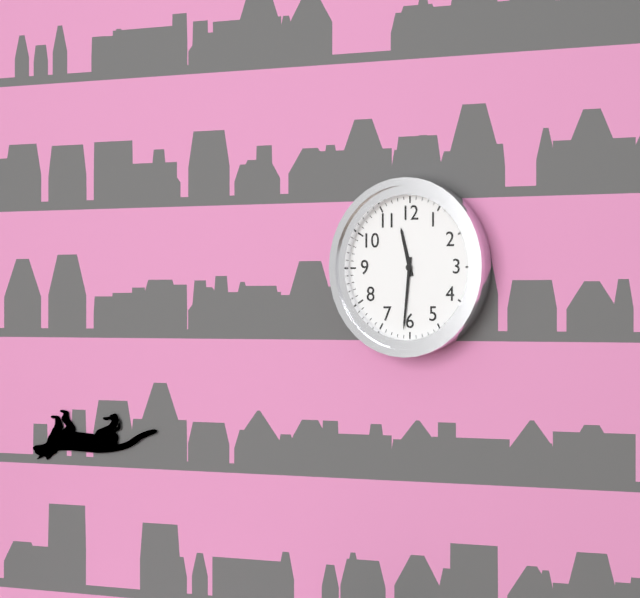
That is 11,31
